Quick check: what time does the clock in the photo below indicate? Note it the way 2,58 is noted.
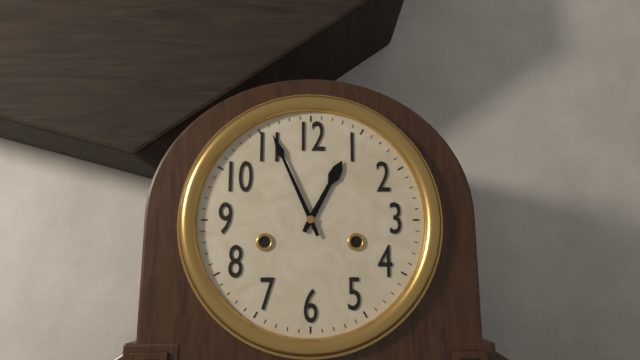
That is 12,56
